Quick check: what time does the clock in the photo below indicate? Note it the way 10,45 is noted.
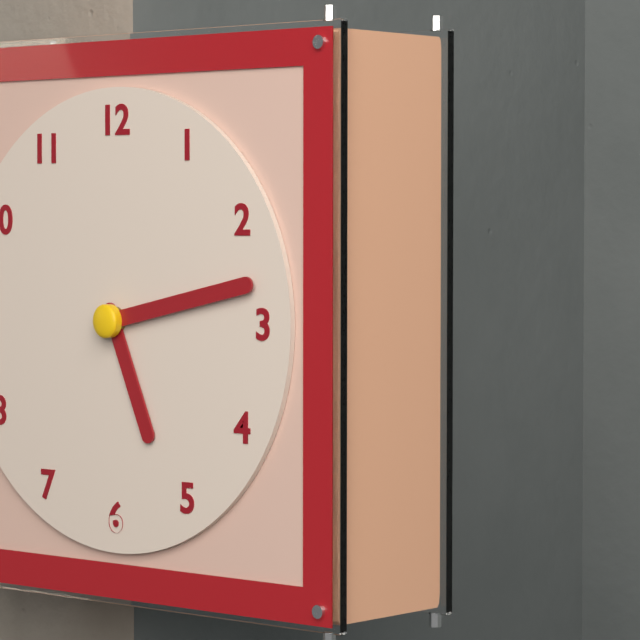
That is 5,13
